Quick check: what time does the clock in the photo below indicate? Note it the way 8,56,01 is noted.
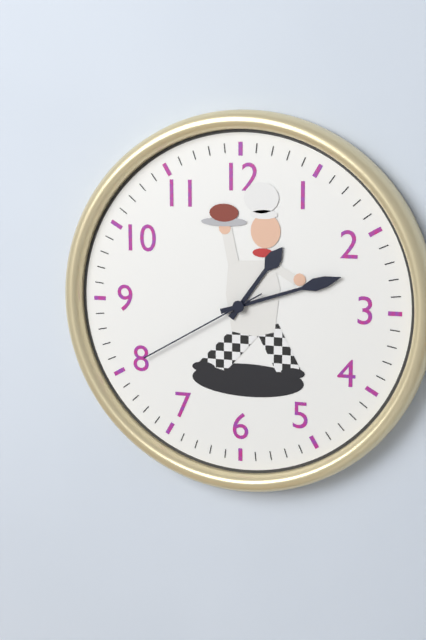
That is 1,12,40
